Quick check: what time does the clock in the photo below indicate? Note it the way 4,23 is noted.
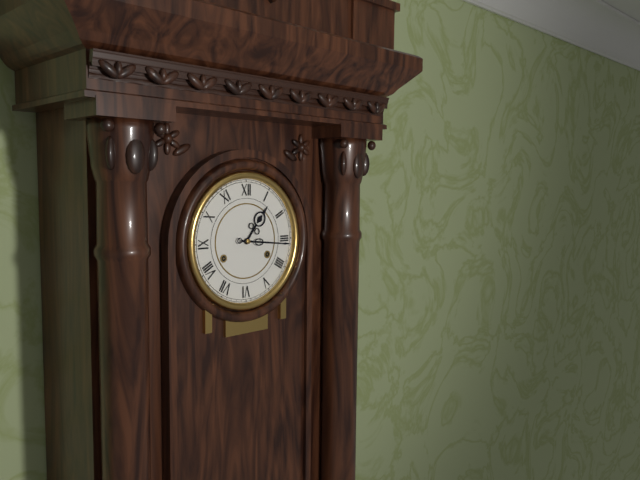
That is 1,16
